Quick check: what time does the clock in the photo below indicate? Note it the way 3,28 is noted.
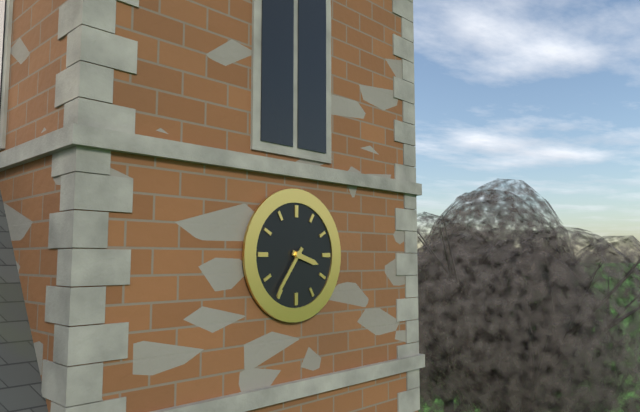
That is 3,36
